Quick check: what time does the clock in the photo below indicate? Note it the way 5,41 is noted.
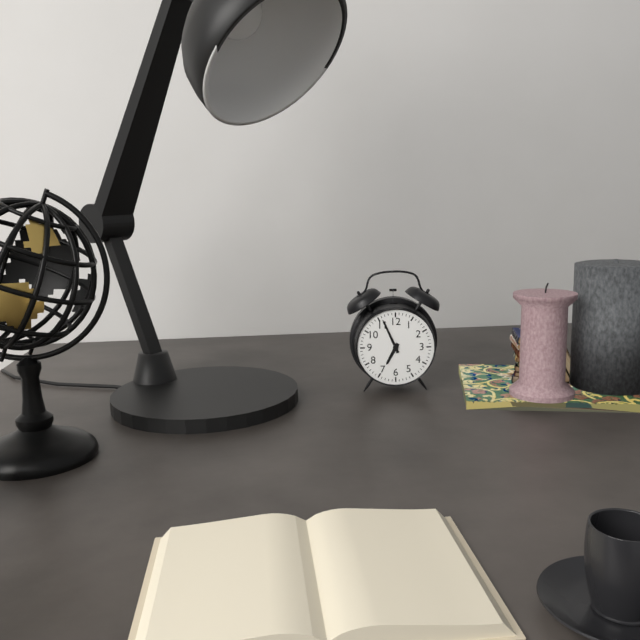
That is 6,56
